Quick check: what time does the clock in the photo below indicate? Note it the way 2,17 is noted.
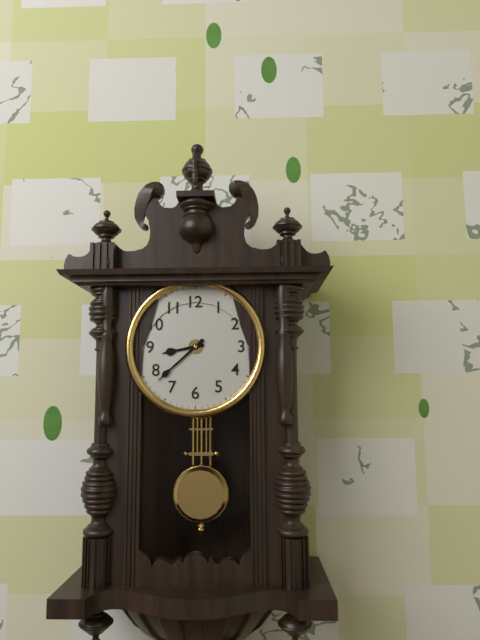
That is 8,38
